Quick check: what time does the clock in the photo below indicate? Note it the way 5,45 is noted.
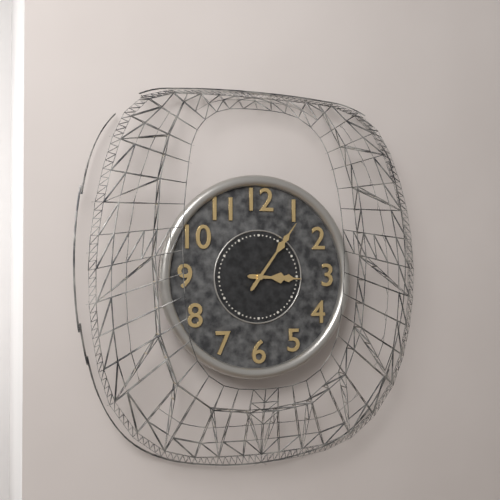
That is 3,06
